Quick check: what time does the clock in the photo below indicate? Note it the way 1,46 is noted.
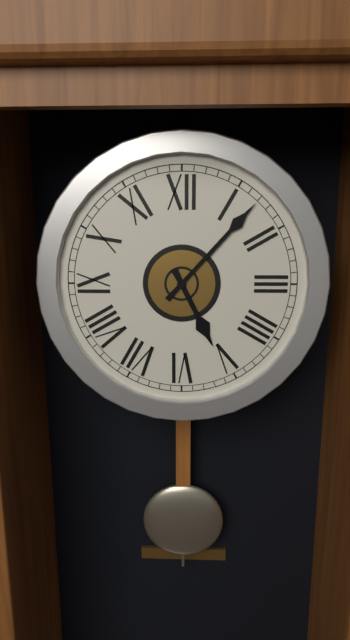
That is 5,07
